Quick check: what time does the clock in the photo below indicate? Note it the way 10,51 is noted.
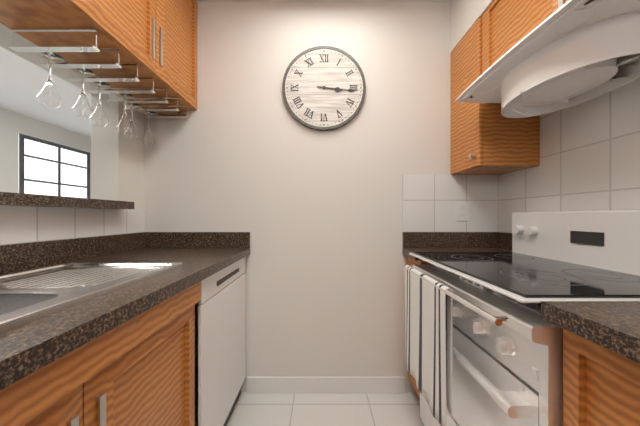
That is 3,16
